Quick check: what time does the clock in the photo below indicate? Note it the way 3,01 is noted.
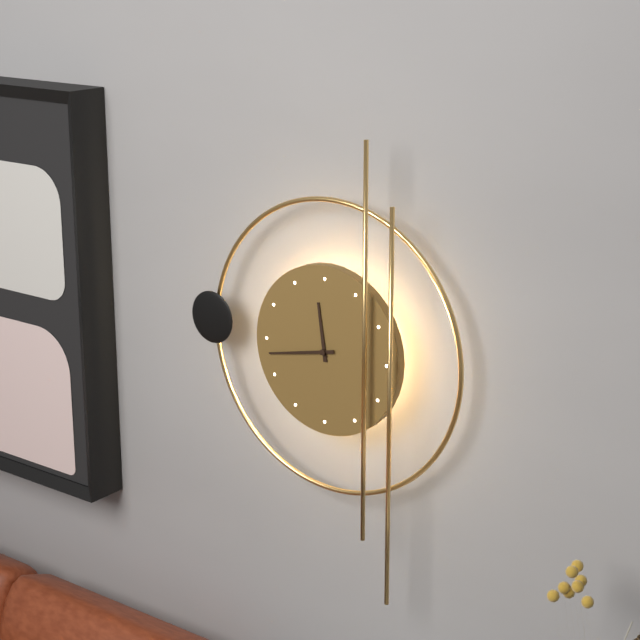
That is 11,43
